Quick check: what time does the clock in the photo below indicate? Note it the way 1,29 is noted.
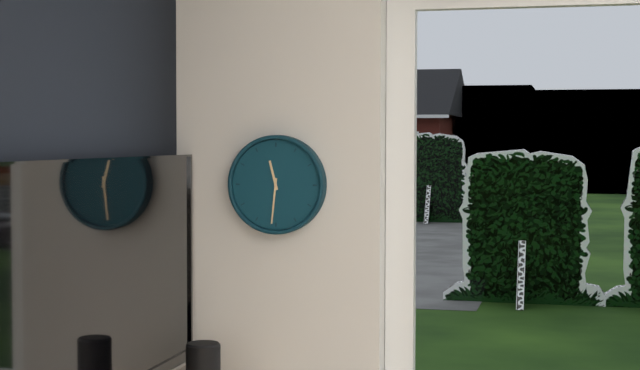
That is 11,31
